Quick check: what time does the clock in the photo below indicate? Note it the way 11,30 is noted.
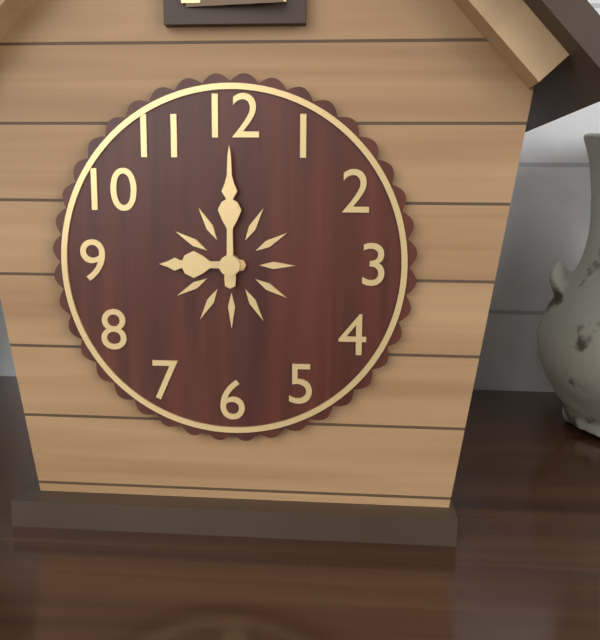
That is 9,00
